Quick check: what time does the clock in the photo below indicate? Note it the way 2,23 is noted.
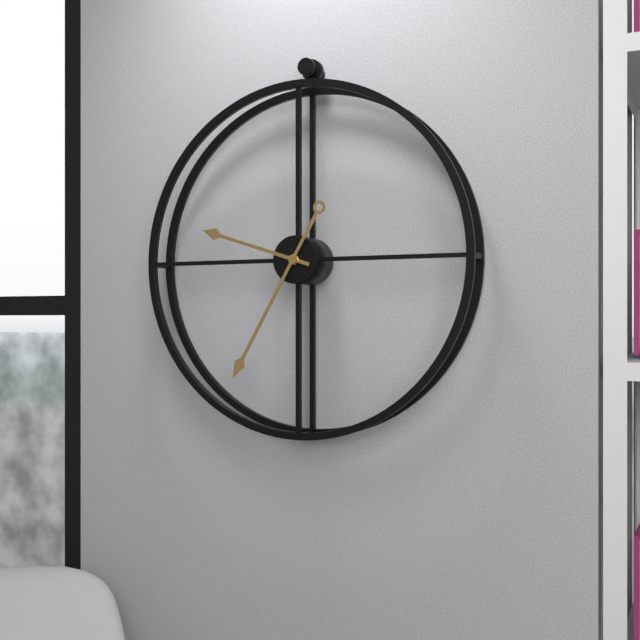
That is 9,35
